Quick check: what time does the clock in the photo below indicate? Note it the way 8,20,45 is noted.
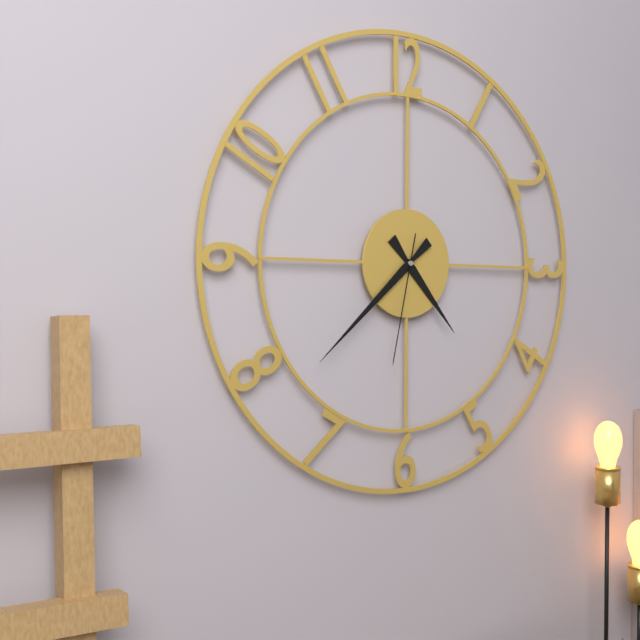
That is 4,38,32
